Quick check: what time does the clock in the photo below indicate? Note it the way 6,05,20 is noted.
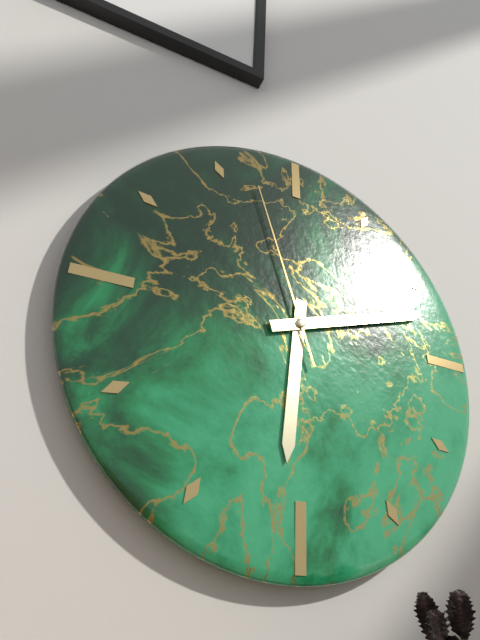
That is 6,12,57
